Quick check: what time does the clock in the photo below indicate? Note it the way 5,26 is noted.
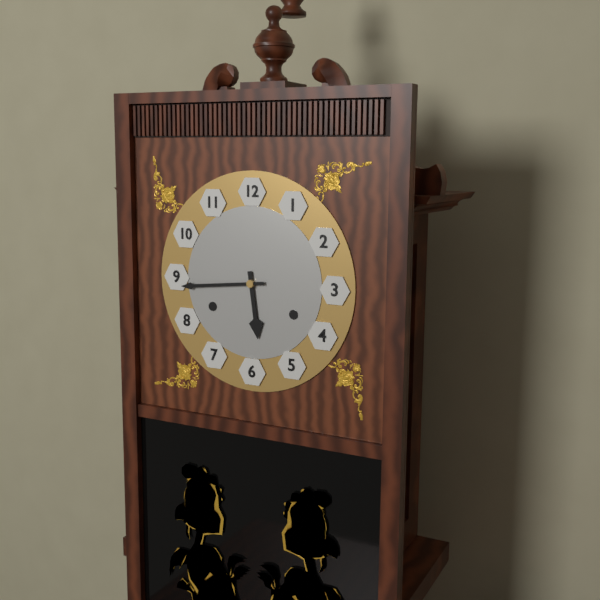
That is 5,44
